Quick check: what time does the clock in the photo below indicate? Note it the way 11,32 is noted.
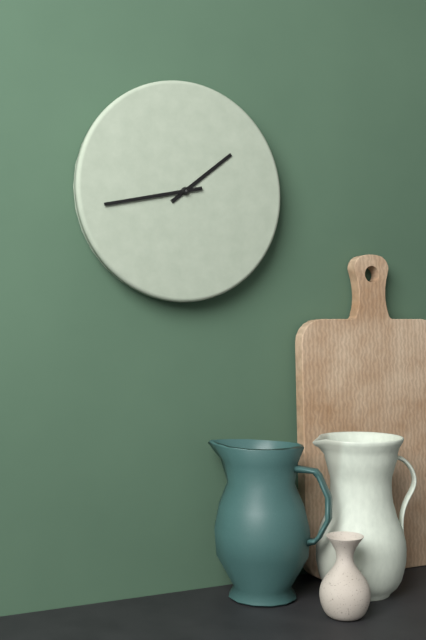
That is 1,43
